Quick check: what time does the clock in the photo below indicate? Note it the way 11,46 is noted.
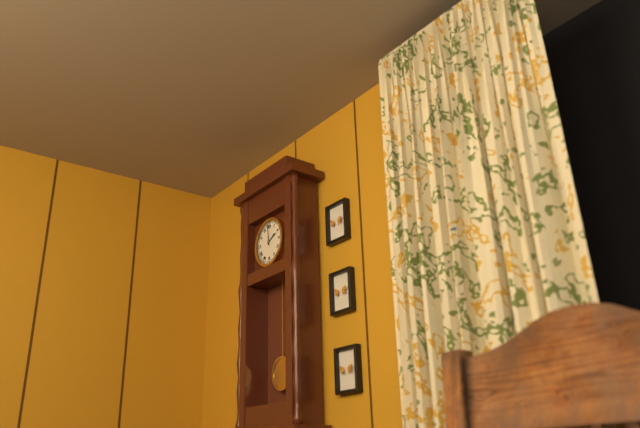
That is 1,59
